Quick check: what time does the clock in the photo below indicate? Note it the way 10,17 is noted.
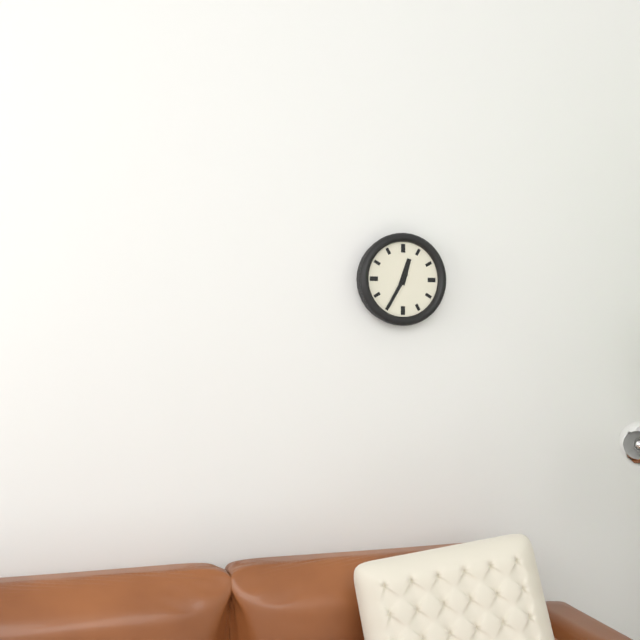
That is 12,35
